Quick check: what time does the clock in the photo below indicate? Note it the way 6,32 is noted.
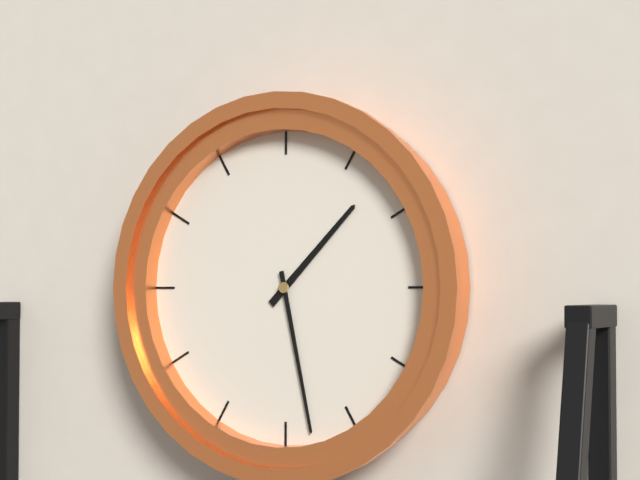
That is 1,28
